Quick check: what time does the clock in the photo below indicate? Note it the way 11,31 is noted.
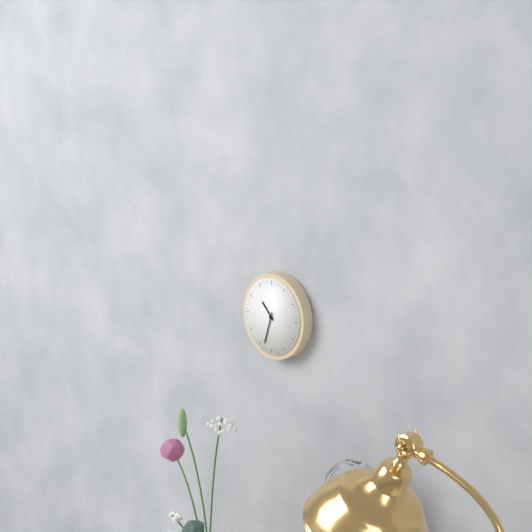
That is 10,33
